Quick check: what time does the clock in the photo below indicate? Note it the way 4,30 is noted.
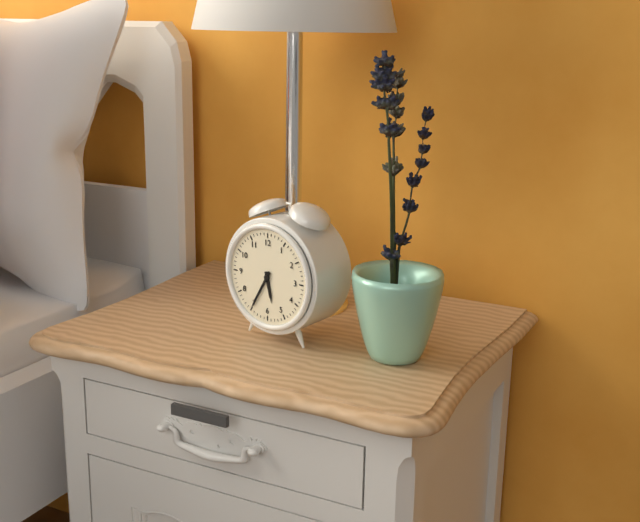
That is 5,35
